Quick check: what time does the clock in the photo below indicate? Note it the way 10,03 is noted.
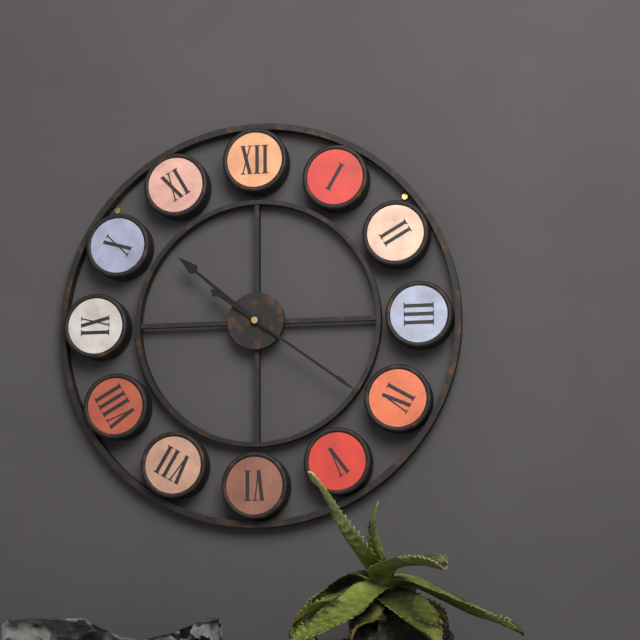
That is 10,21
